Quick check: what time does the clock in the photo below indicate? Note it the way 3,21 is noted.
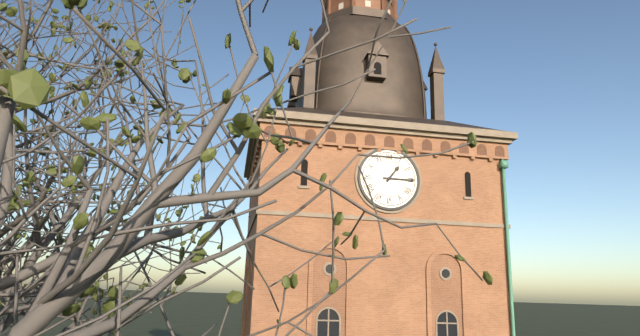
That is 1,15
